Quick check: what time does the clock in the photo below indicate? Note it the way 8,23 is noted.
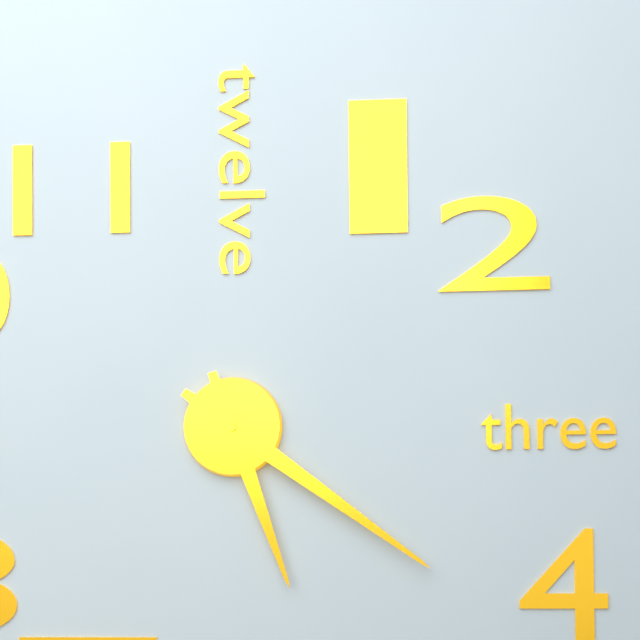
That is 5,21
